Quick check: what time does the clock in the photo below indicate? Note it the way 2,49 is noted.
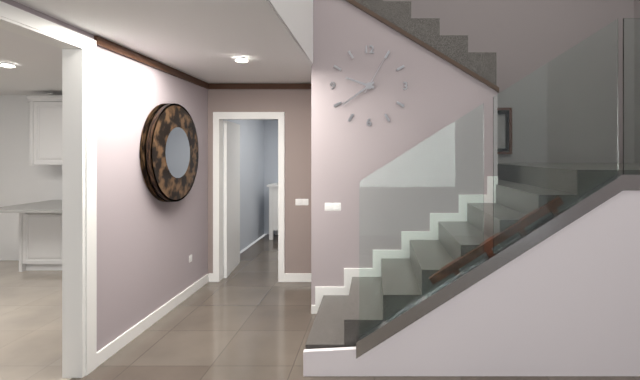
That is 9,39
